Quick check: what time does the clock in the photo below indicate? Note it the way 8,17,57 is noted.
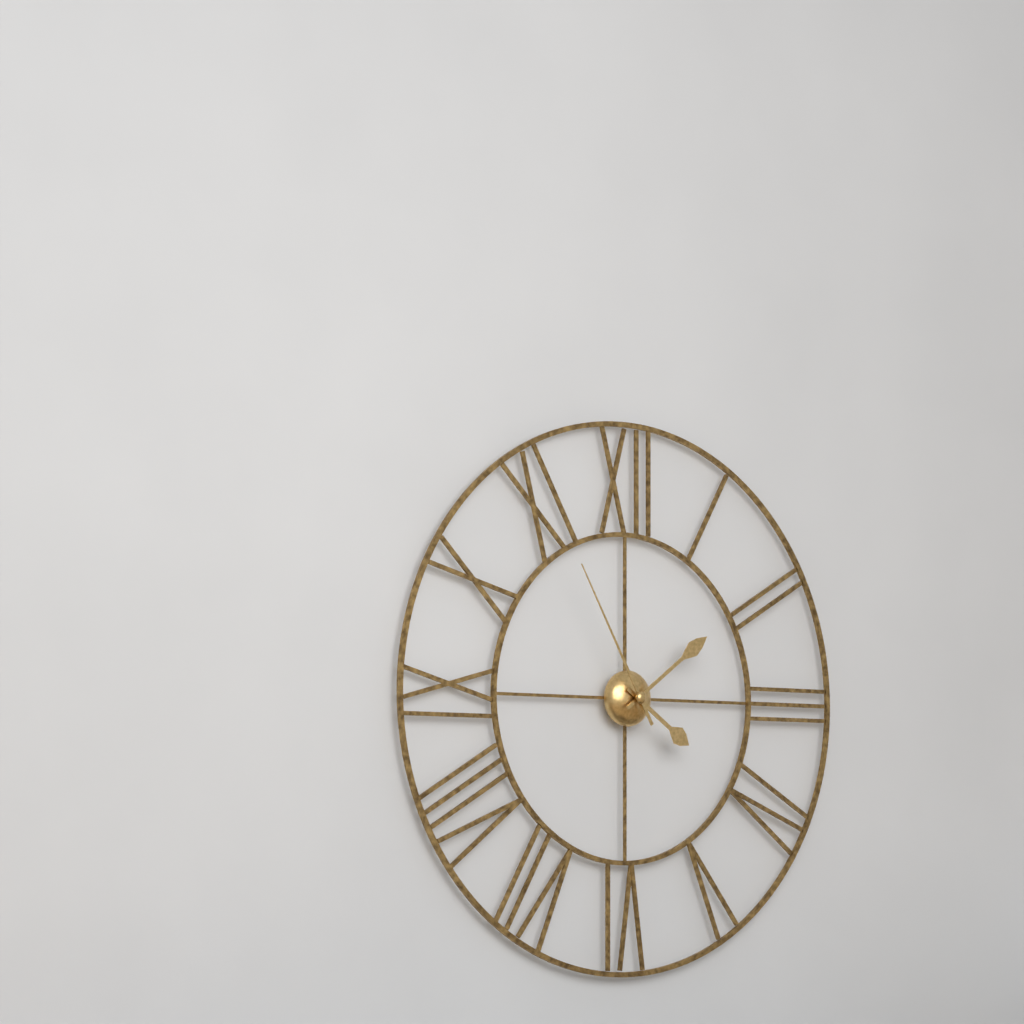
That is 4,09,55
